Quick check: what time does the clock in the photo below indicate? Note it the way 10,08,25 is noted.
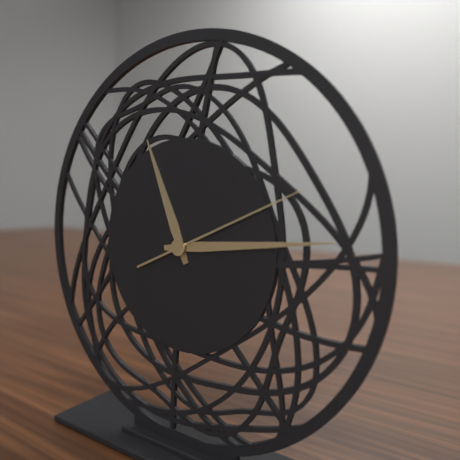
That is 11,14,11
